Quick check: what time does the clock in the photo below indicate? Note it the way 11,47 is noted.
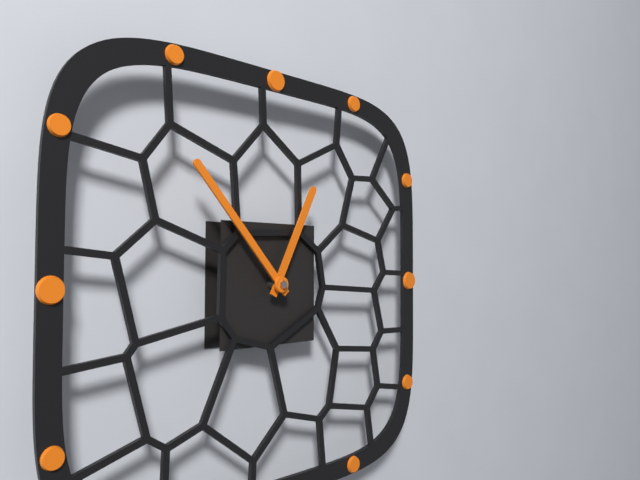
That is 12,53
